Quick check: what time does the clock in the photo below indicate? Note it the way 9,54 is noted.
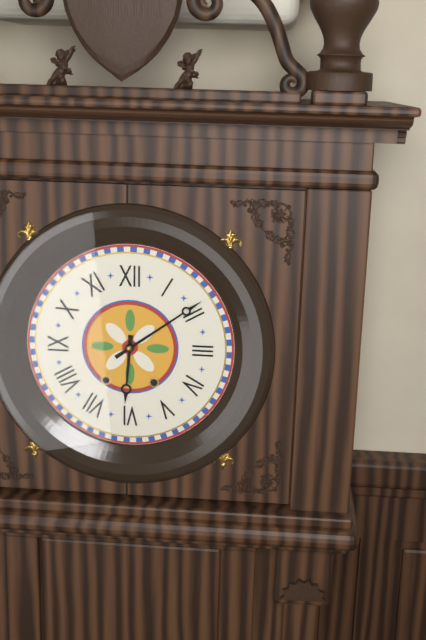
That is 6,09
